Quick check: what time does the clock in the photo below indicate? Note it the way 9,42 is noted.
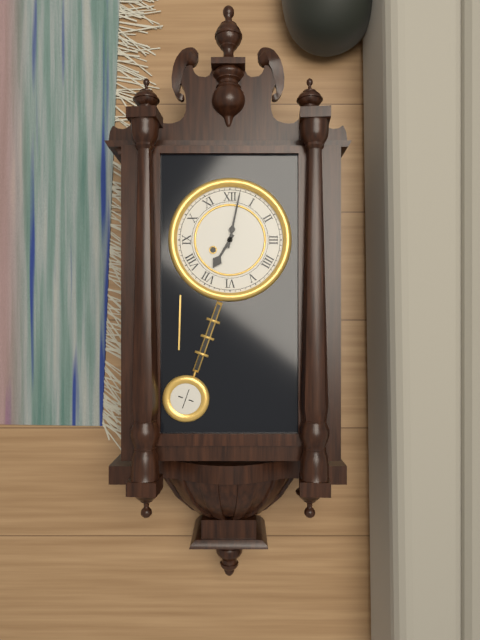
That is 7,02
